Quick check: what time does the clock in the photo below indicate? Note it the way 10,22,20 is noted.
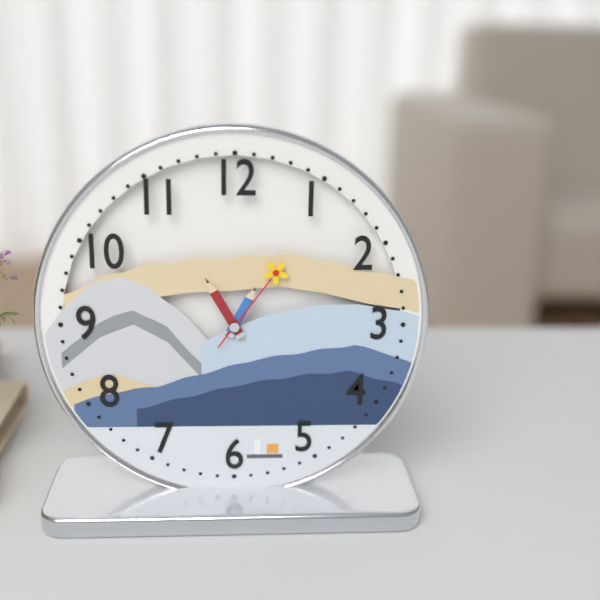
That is 12,55,06
